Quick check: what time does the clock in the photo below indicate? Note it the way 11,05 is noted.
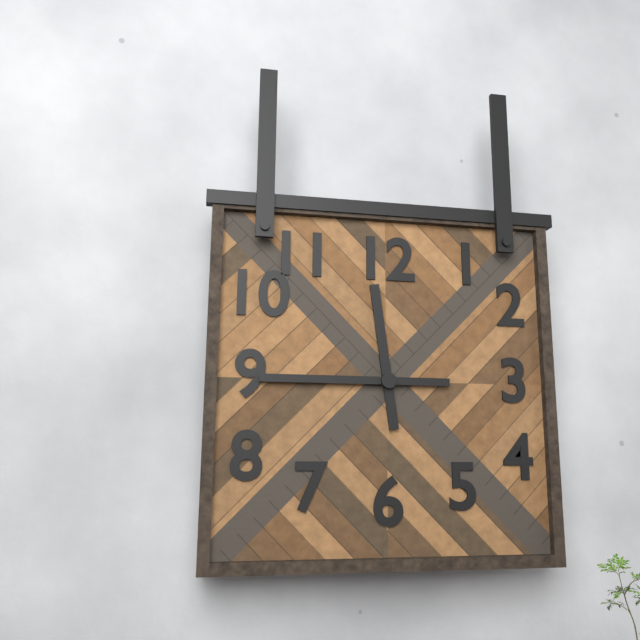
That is 11,45
